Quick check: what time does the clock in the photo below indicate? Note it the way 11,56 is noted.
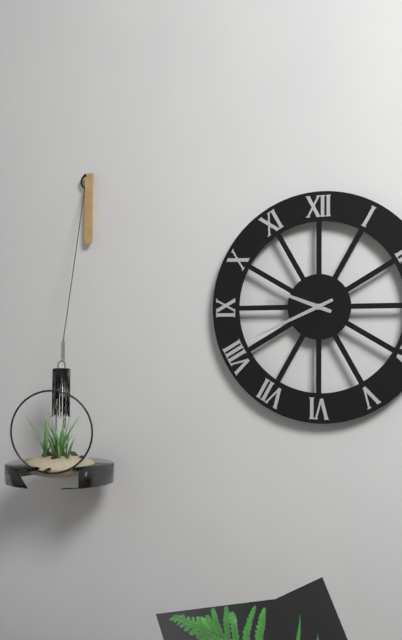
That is 9,41
